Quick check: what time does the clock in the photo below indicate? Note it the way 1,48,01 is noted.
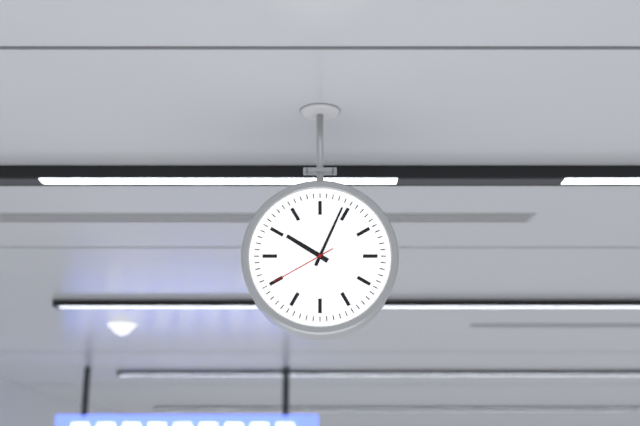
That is 10,04,40
